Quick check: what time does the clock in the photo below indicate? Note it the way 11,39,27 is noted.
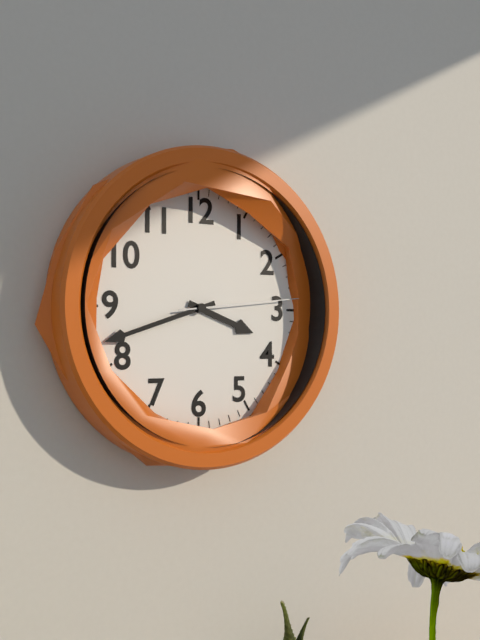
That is 3,42,14
